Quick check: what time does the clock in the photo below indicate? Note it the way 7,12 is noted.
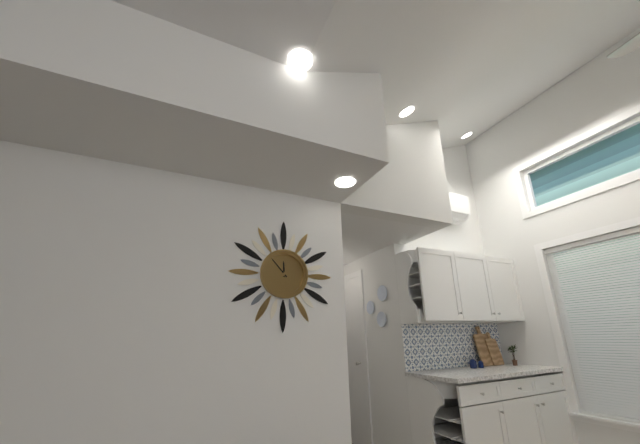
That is 11,53
